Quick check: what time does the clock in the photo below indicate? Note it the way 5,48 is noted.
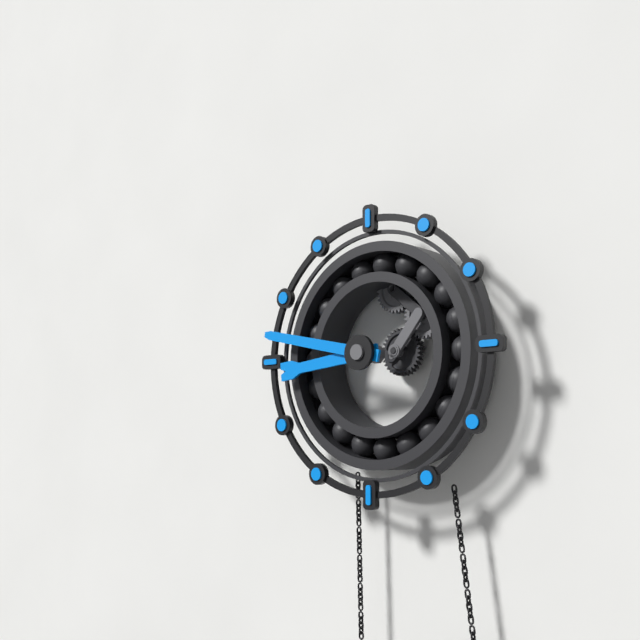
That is 8,47
